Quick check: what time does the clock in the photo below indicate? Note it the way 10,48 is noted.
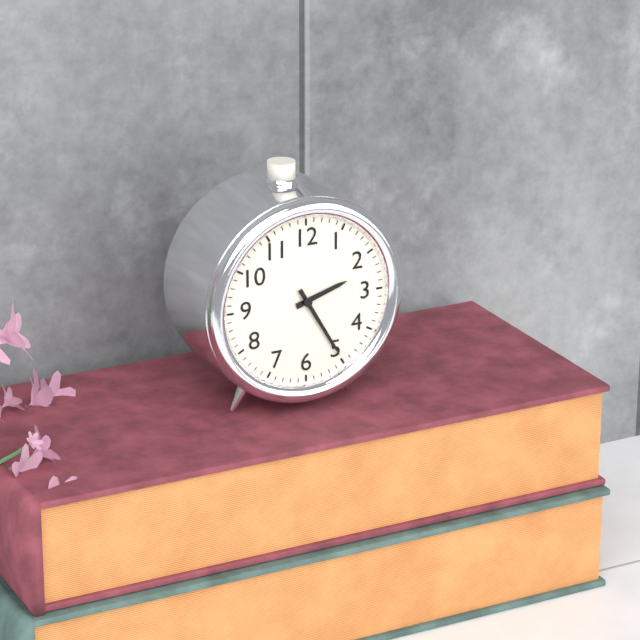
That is 2,25
